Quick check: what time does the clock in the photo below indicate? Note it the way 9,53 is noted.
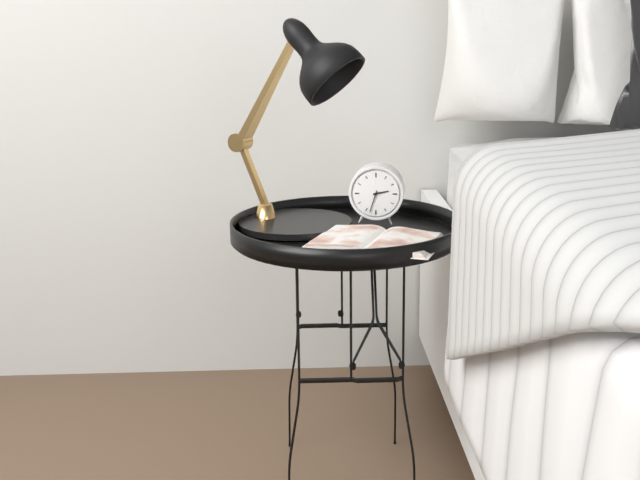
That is 2,33
